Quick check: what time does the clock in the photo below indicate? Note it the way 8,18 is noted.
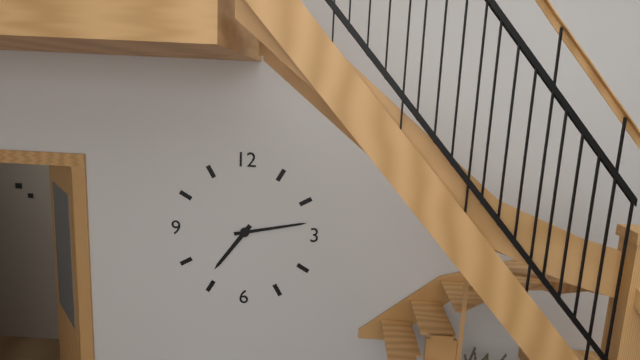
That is 7,13
